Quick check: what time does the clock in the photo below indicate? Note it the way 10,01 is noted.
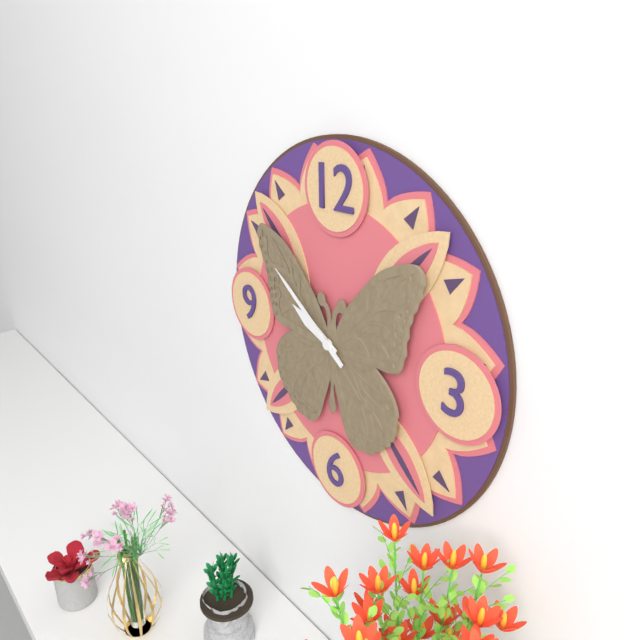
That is 9,51
